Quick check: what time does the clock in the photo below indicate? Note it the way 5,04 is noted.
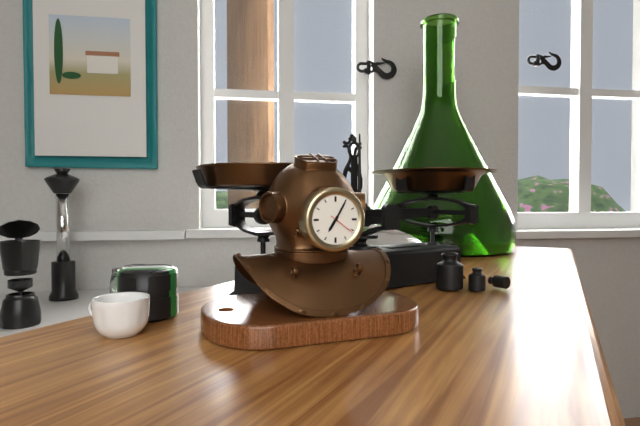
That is 7,05
